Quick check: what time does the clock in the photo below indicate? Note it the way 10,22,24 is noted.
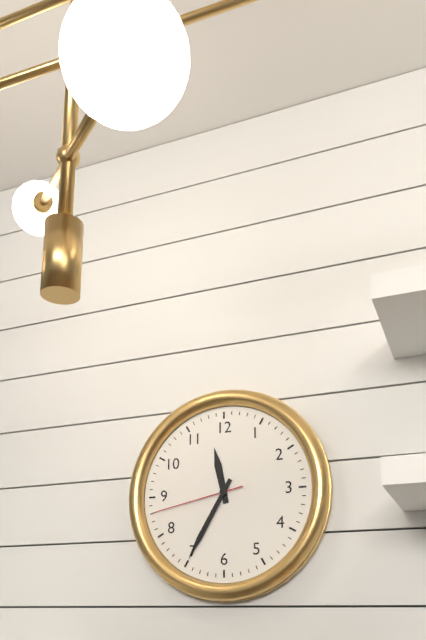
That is 11,35,43
